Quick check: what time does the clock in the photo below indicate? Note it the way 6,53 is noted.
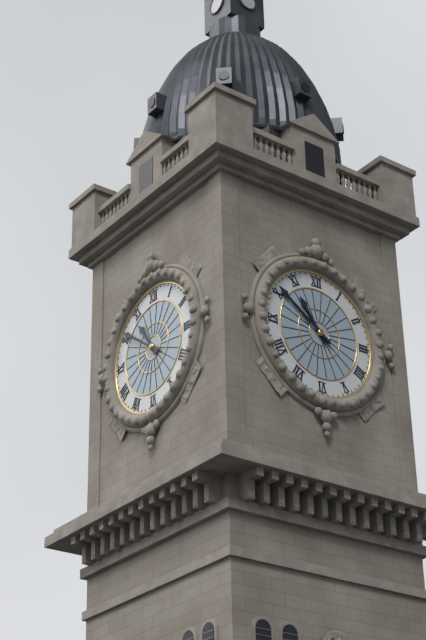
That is 10,51
